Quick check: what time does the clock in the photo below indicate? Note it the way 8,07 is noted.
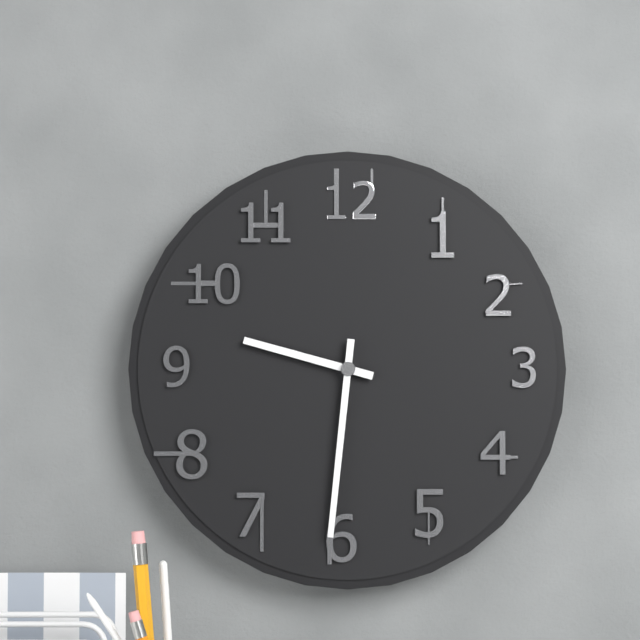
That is 9,31
